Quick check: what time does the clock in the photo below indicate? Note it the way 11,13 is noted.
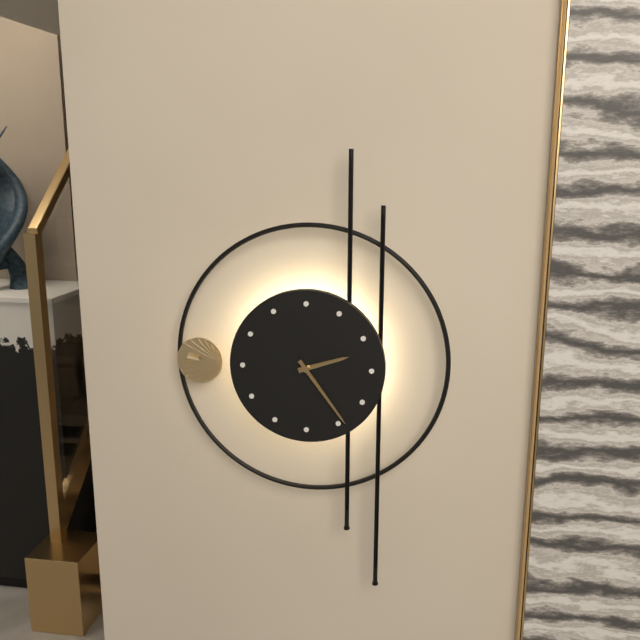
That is 2,24
